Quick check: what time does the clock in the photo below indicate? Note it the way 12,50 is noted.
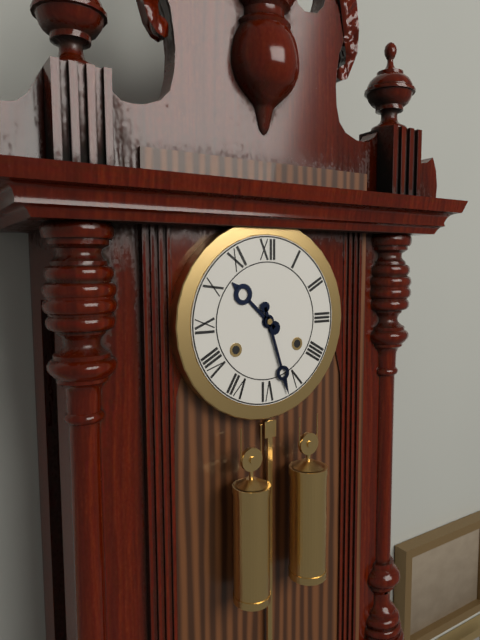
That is 10,27
